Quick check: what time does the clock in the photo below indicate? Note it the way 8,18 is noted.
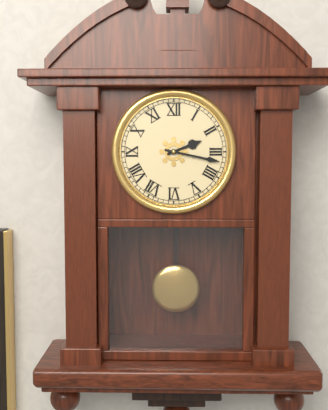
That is 2,17
